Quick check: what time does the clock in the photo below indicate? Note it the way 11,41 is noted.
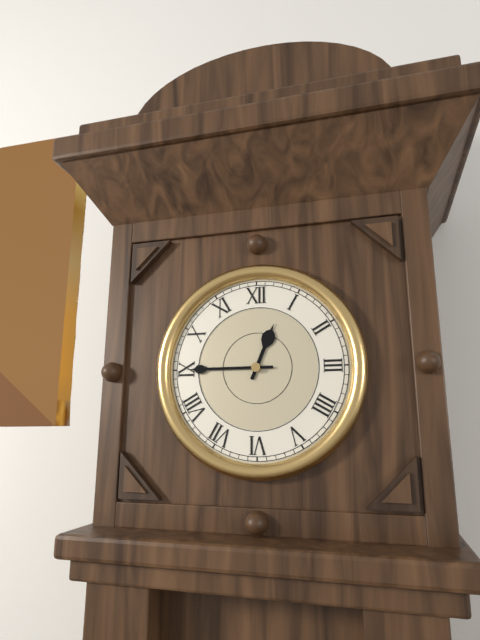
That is 12,45
